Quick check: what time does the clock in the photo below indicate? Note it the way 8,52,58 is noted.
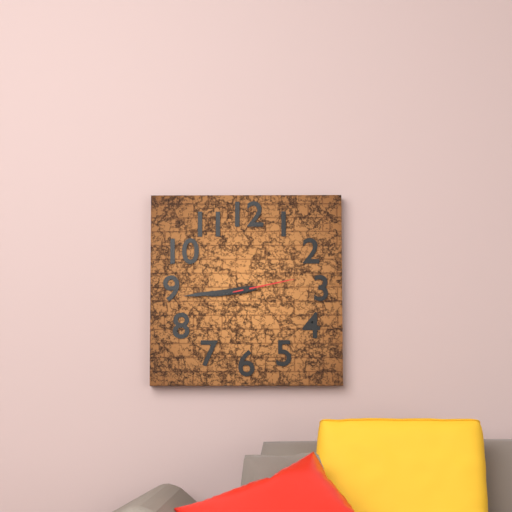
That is 8,44,13
